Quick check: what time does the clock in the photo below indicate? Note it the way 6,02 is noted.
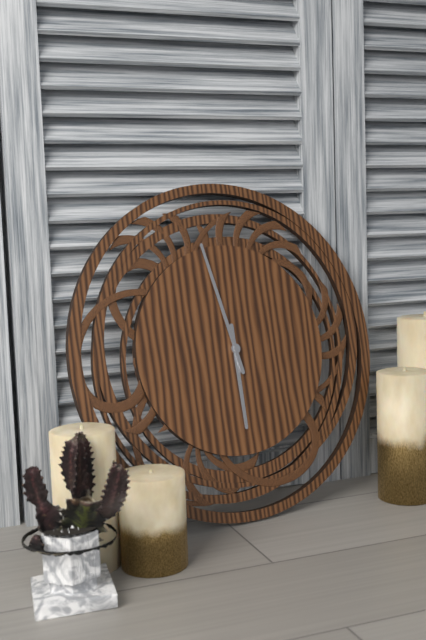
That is 5,58
